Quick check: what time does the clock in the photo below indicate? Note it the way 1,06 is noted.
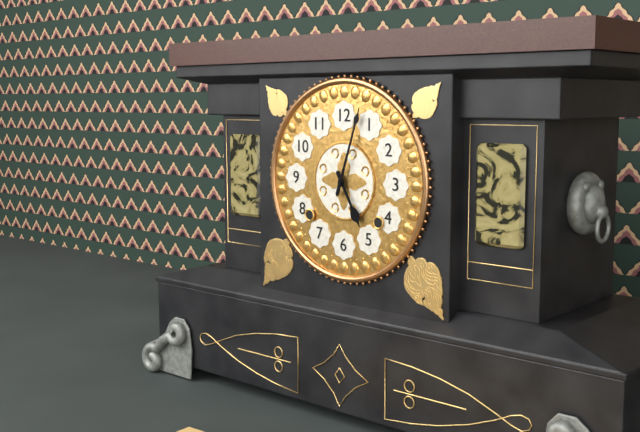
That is 5,03
